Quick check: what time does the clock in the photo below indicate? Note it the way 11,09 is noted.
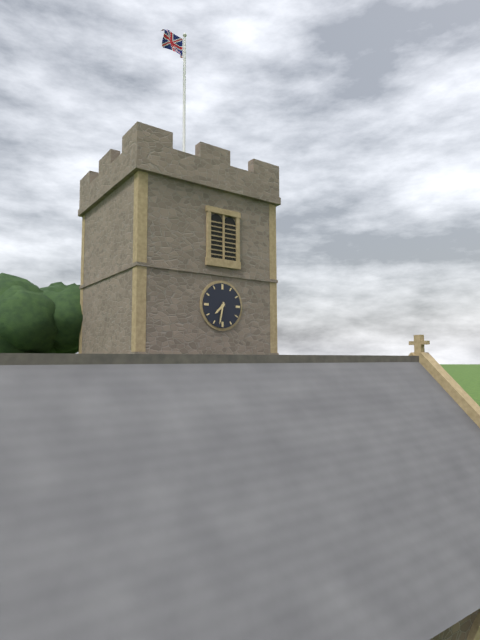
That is 7,32
